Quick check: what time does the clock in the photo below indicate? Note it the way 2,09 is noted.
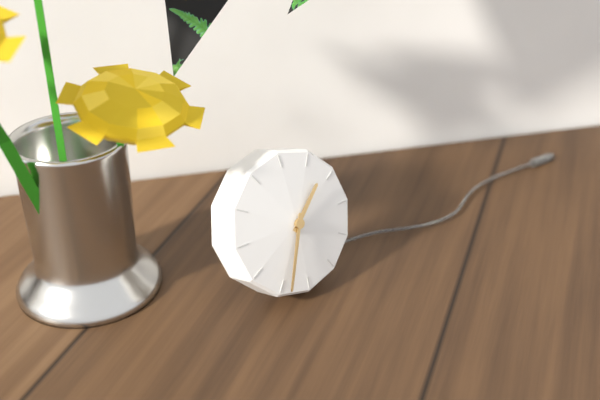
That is 1,34
